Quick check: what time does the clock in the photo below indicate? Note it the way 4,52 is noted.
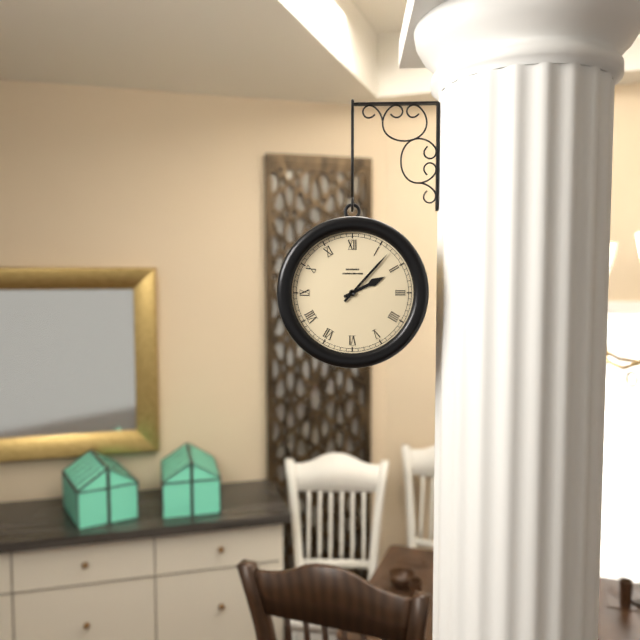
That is 2,07
